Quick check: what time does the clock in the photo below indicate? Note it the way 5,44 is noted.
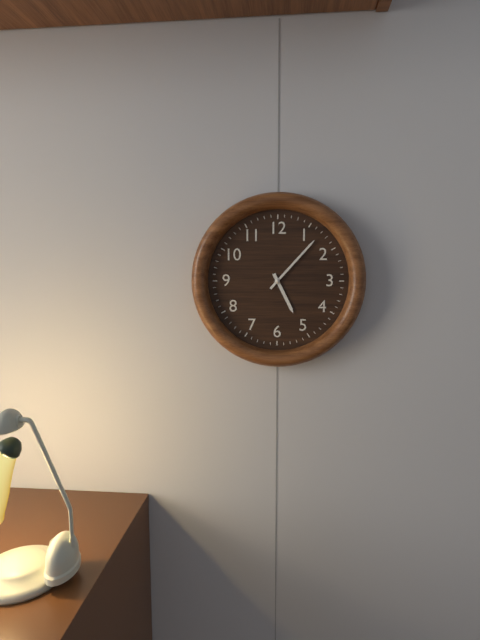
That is 5,07
